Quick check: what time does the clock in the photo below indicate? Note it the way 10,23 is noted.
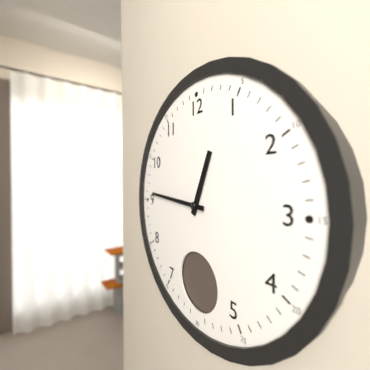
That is 12,46
